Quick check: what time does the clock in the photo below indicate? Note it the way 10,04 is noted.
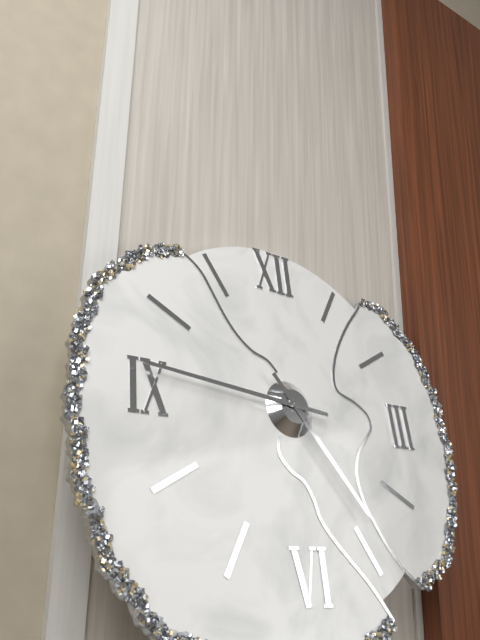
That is 4,46
